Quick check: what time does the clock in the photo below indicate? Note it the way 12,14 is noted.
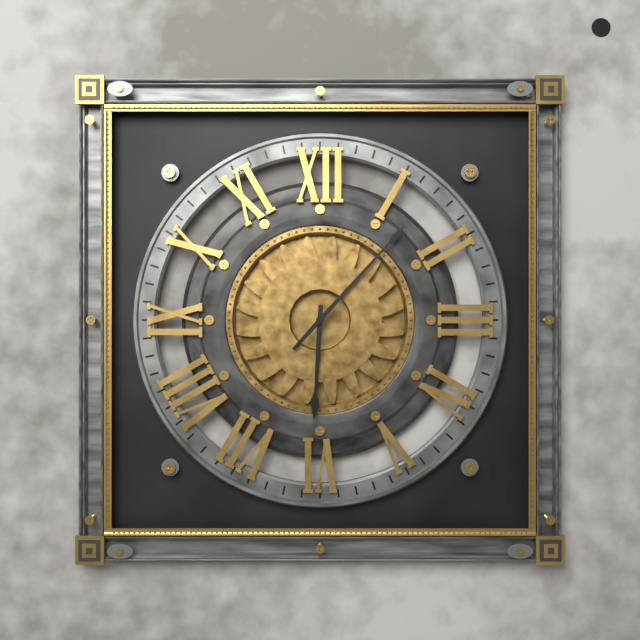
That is 6,07
